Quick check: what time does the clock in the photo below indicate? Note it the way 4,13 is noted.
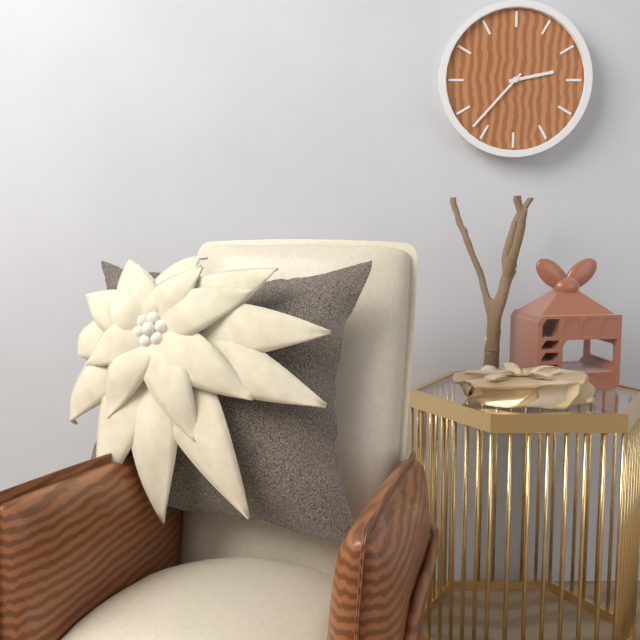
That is 2,37
